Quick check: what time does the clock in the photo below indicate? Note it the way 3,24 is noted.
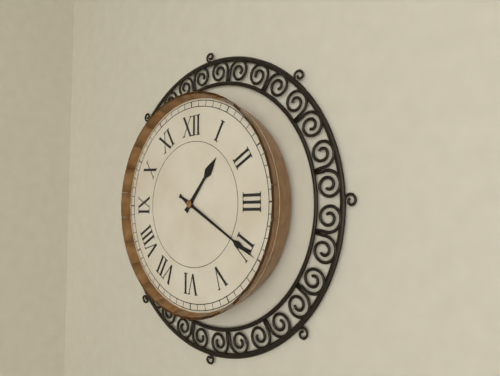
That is 1,20
